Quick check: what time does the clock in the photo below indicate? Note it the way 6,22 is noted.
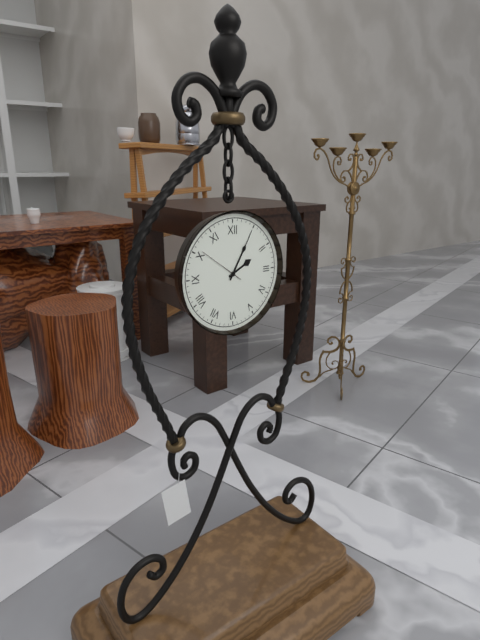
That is 2,05
